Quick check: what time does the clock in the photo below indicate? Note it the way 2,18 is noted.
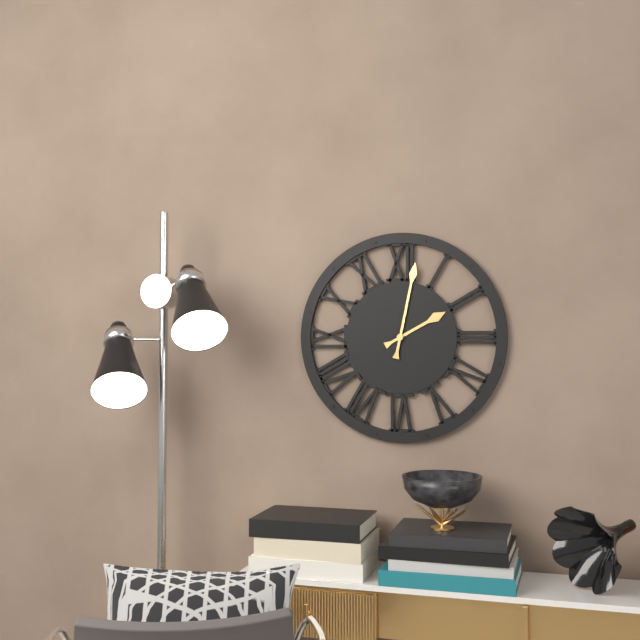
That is 2,02
